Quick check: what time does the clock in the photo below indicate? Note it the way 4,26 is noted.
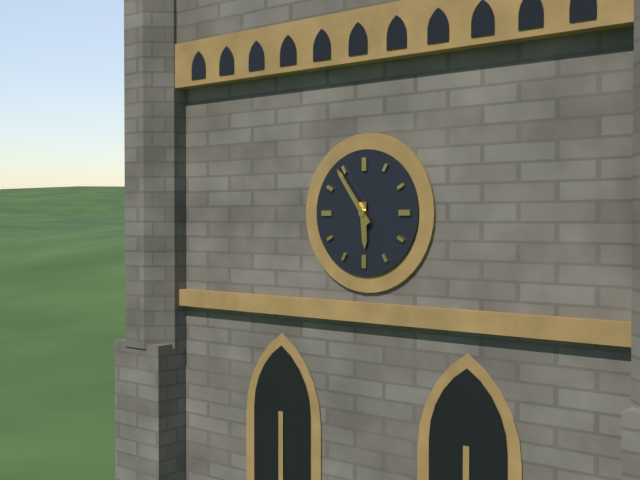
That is 5,54
